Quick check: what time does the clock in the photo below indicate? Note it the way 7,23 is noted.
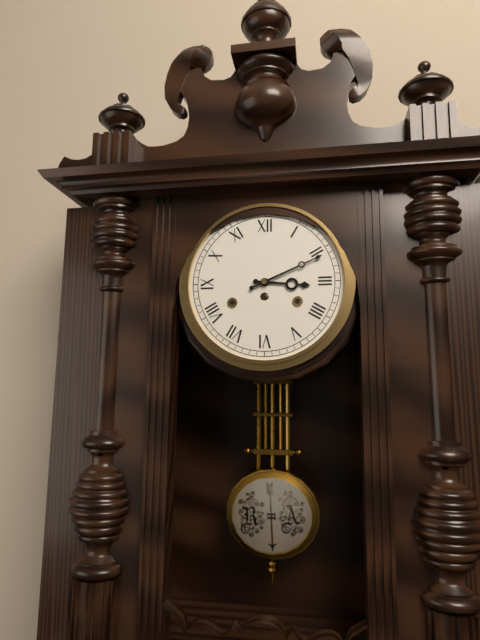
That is 3,11
